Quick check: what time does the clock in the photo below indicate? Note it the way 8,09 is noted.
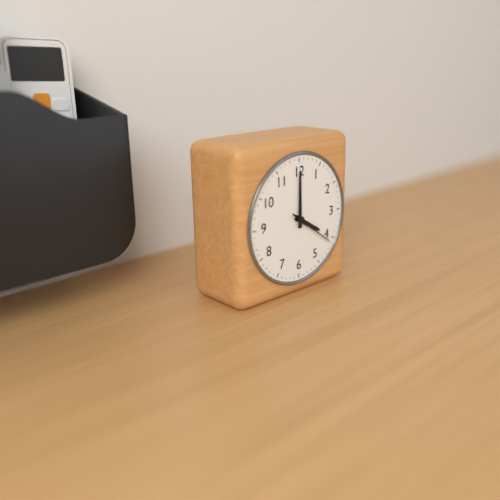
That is 4,00
